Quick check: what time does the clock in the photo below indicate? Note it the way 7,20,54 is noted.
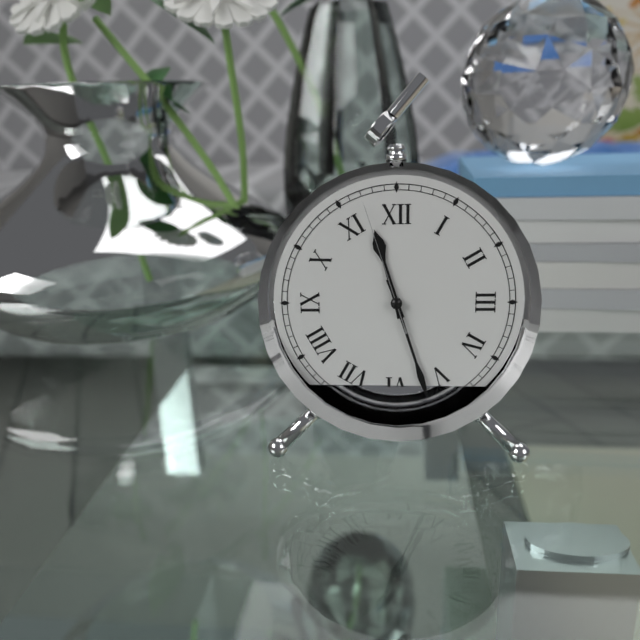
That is 11,27,57
